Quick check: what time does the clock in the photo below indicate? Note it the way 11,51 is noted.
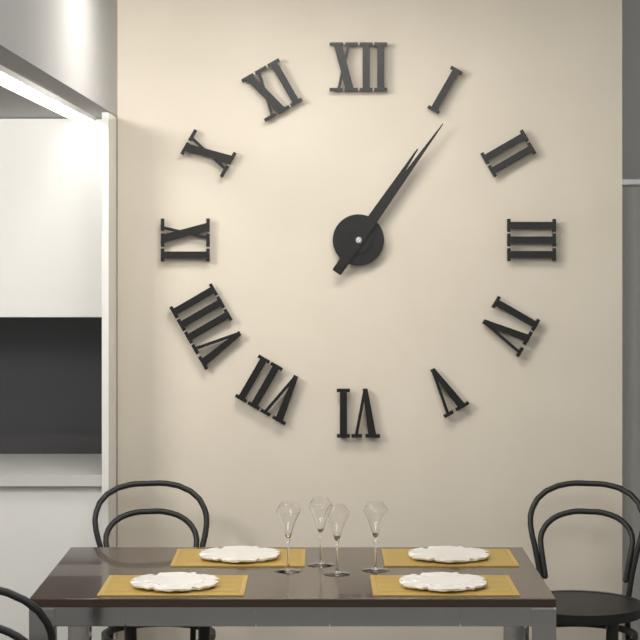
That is 1,06
